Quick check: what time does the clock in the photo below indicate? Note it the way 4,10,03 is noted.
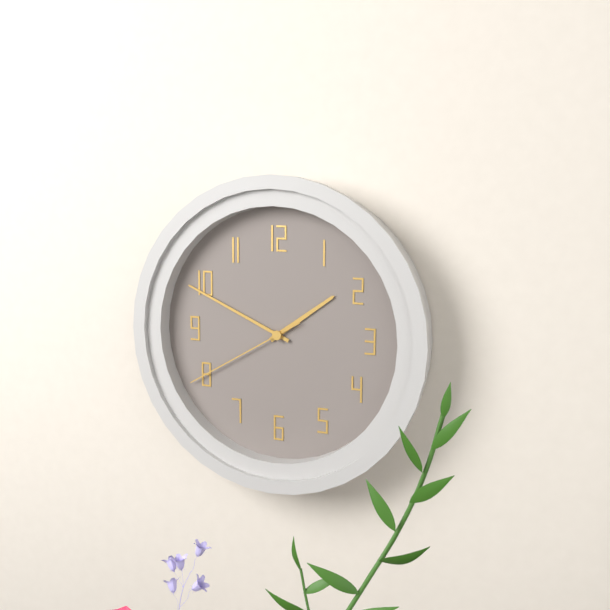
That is 1,49,40
